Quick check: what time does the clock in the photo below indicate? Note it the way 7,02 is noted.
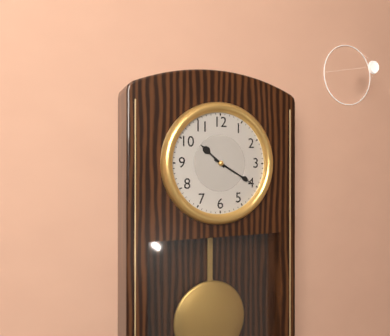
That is 10,20
